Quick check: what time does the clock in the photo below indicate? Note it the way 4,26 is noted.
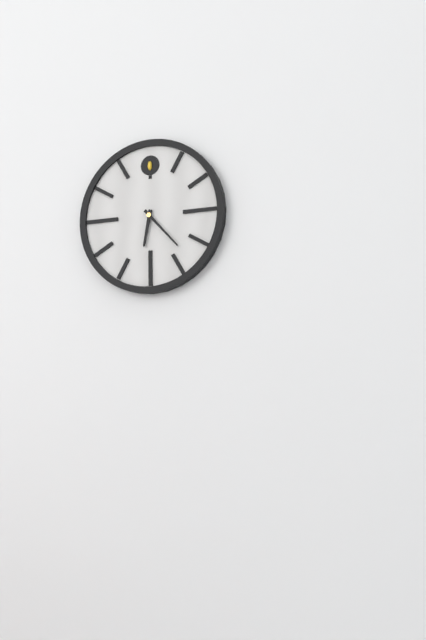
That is 6,23
